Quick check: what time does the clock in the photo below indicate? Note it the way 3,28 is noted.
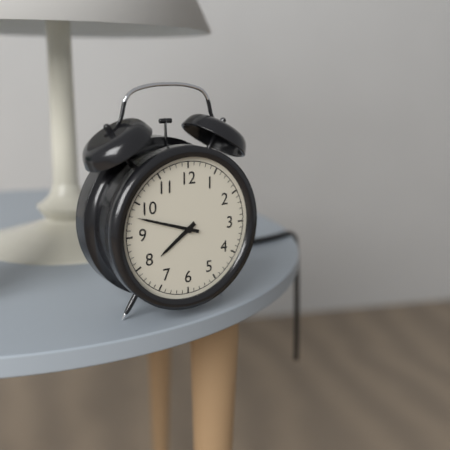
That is 7,48
